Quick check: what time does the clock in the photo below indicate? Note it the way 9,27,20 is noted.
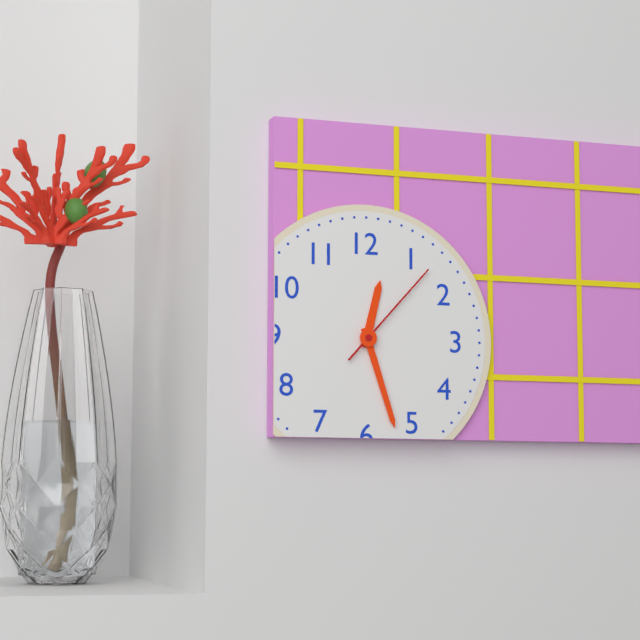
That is 12,27,07
